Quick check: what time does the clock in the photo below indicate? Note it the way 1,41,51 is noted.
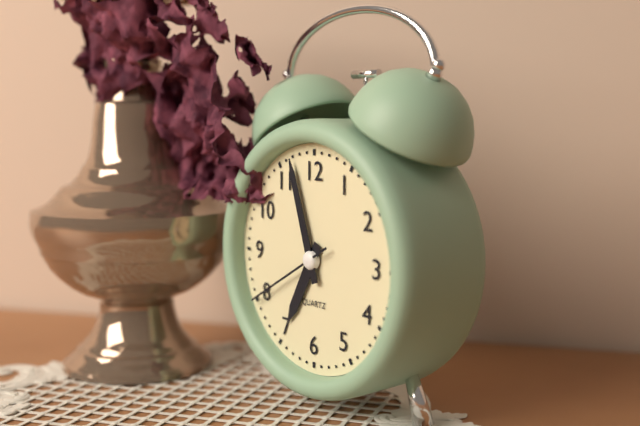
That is 6,57,40
